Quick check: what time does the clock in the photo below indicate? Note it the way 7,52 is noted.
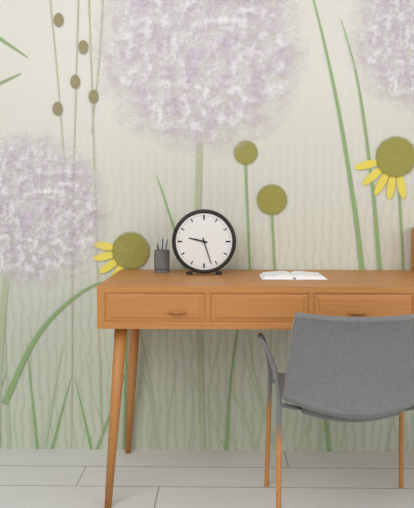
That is 9,27
